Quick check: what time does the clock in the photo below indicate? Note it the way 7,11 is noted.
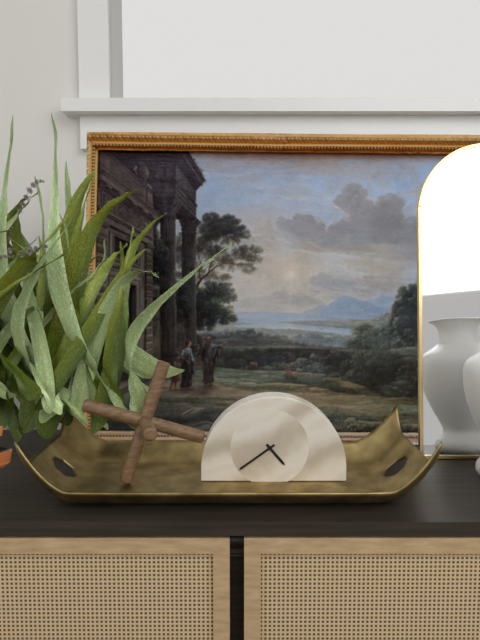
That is 4,39
